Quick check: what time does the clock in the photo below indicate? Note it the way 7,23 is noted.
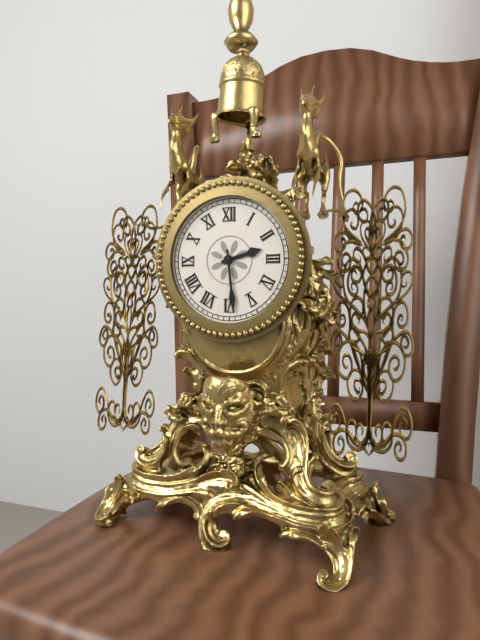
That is 2,29
